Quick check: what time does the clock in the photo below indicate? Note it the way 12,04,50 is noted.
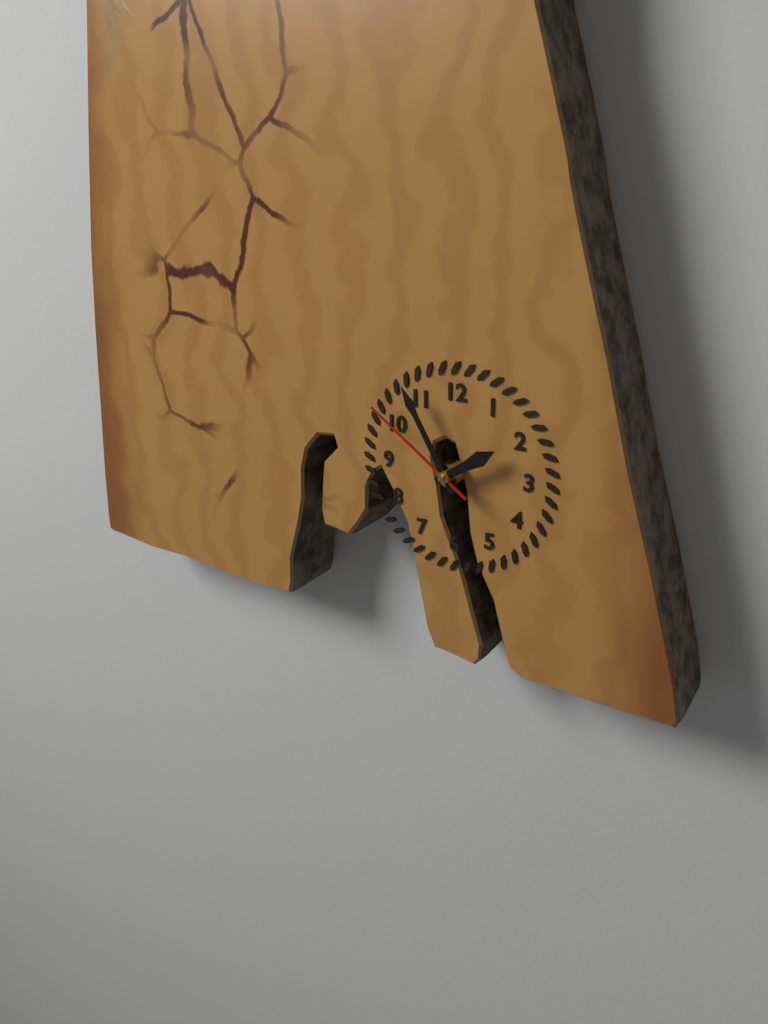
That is 1,55,51
